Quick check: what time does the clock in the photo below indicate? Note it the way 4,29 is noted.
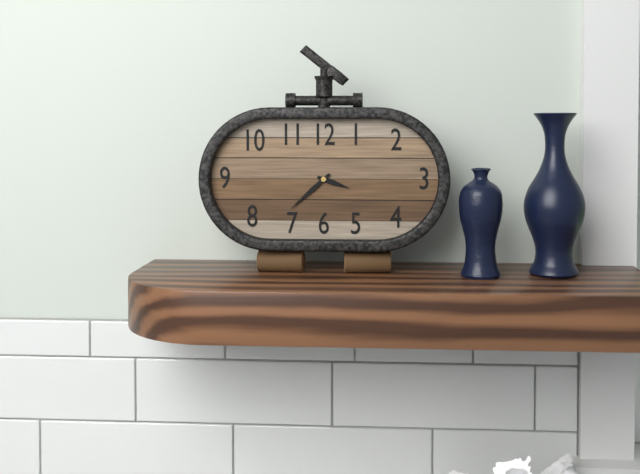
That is 3,38
